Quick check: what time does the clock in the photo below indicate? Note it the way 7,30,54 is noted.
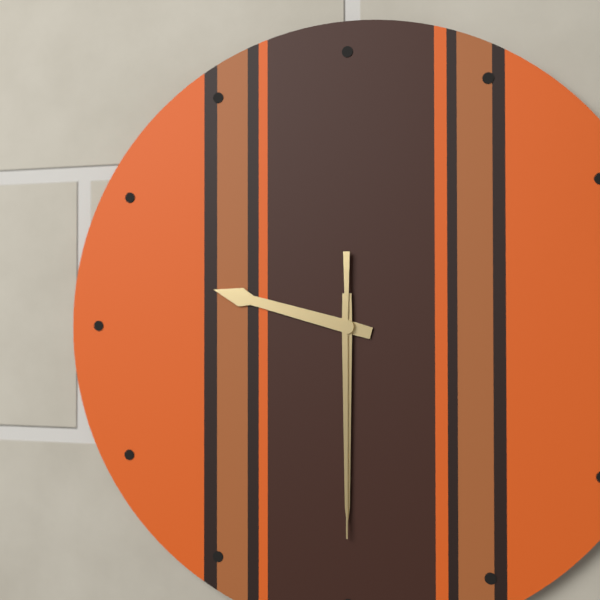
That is 9,30,30
